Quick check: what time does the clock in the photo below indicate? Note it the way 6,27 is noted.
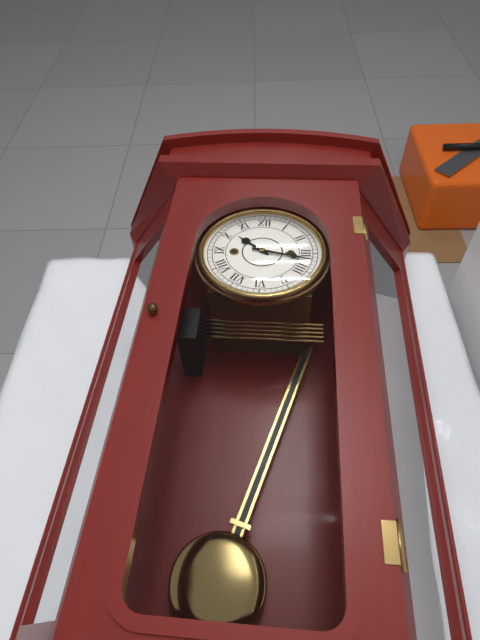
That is 10,17
